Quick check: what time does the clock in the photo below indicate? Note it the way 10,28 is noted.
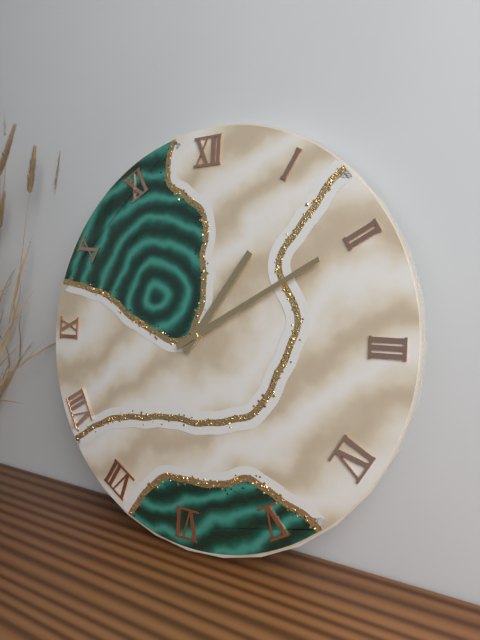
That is 1,10
